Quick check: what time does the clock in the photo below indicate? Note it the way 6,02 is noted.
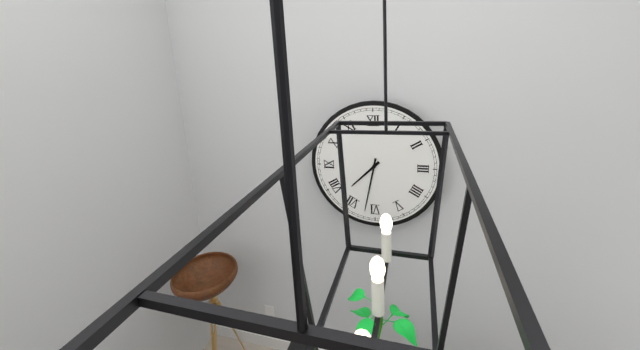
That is 7,32
